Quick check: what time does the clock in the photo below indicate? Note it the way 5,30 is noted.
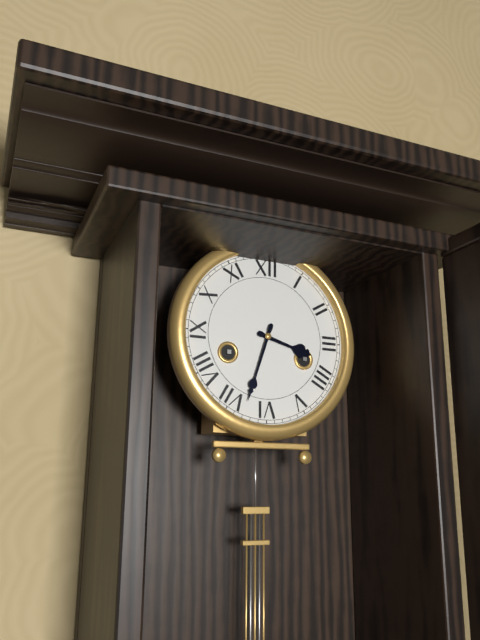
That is 3,33
